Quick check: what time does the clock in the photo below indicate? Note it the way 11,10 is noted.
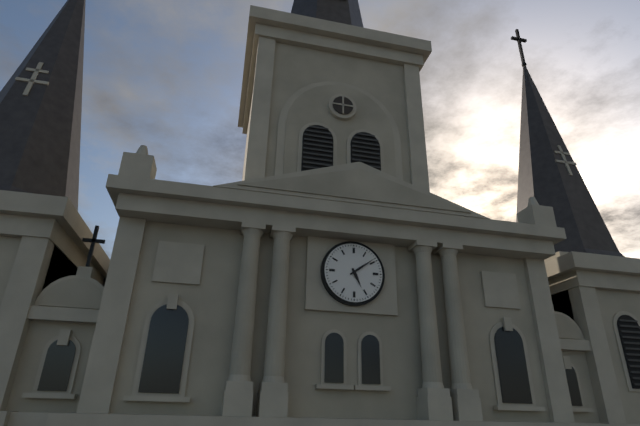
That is 5,09
